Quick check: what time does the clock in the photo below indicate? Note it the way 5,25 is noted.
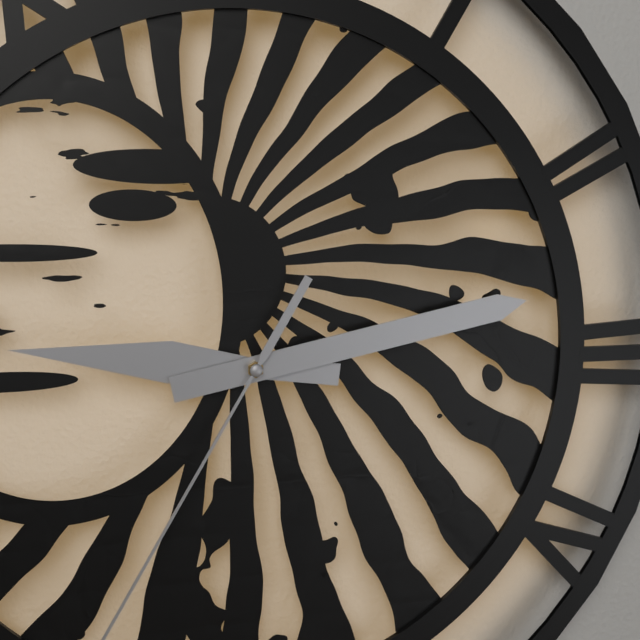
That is 9,13
